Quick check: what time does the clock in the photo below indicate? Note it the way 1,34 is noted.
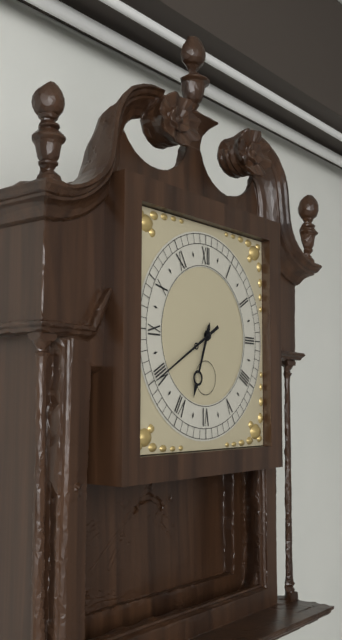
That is 6,40
